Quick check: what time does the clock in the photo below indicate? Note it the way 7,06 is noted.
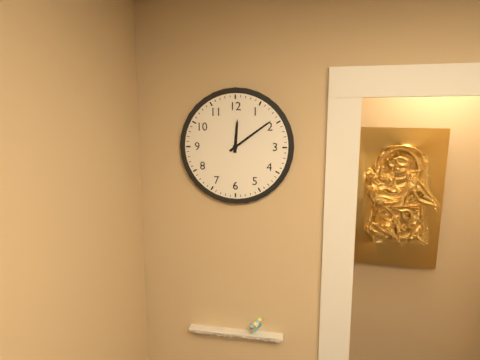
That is 12,09
